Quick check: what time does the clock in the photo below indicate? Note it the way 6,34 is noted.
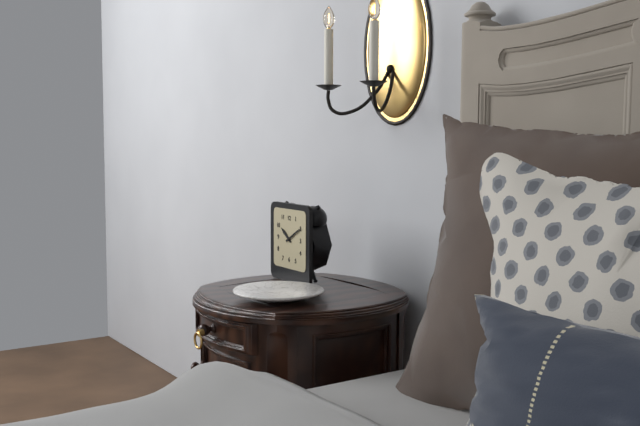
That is 10,10
